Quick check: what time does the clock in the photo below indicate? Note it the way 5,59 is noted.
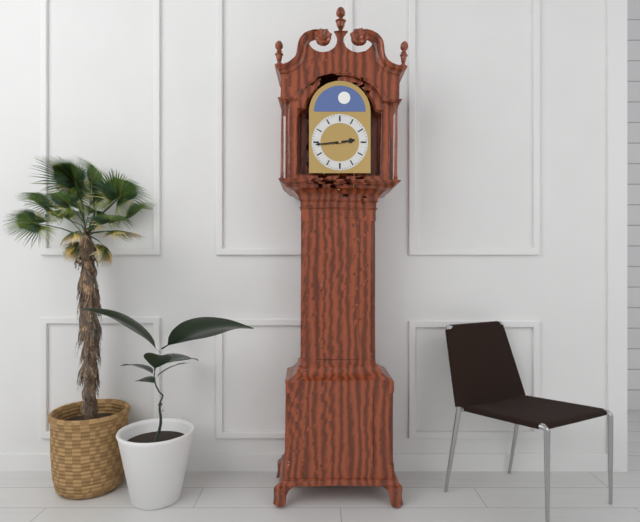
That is 2,44
